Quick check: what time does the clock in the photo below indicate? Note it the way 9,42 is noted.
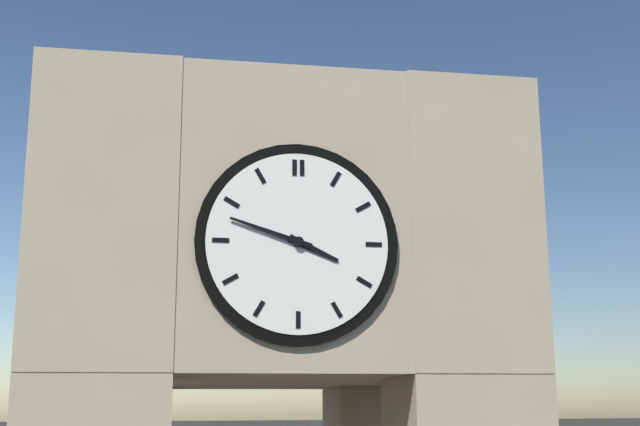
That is 3,48
